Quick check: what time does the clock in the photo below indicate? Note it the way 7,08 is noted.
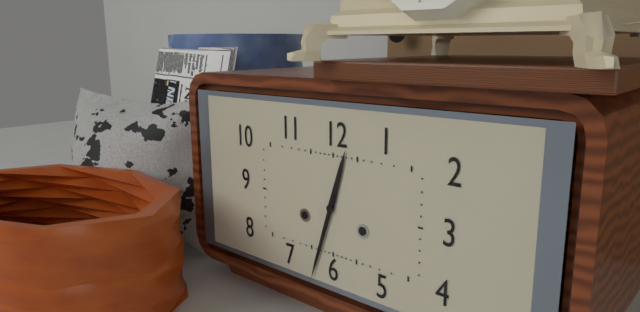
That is 12,33
